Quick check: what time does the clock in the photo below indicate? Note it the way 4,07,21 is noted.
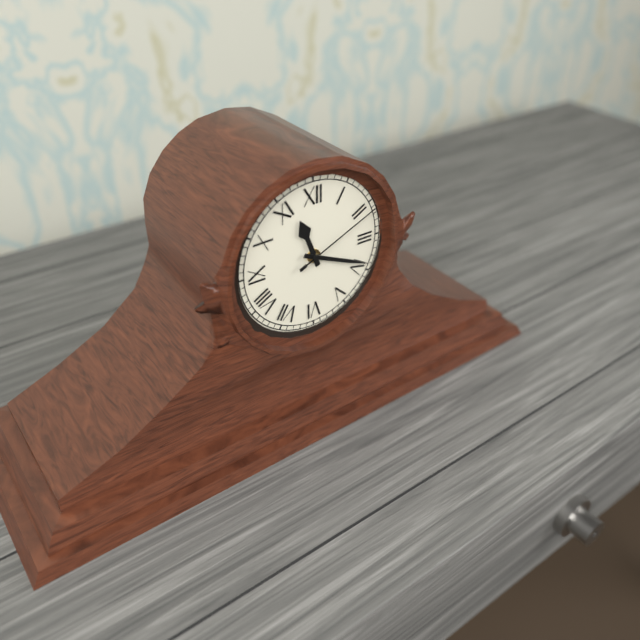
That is 11,19,11
